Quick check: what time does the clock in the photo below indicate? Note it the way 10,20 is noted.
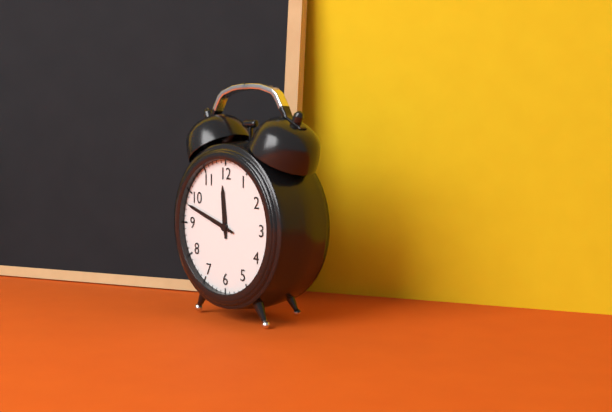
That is 11,48
